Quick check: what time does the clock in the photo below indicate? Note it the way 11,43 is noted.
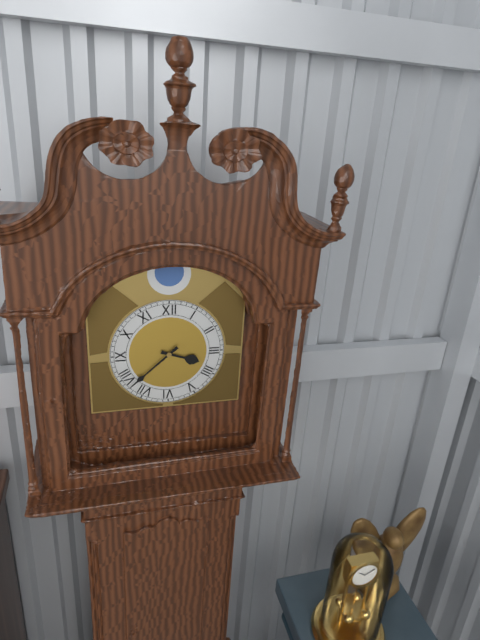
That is 3,38
